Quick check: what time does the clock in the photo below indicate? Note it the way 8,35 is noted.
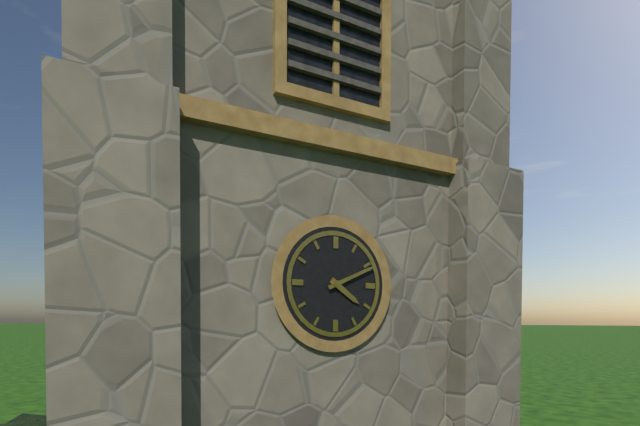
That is 4,11
